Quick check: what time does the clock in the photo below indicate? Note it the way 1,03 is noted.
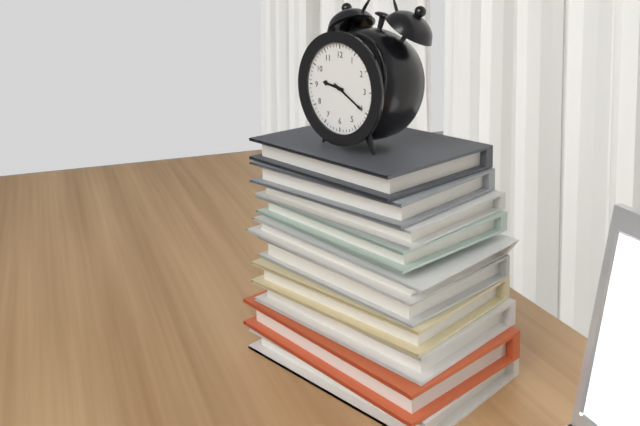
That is 9,20
